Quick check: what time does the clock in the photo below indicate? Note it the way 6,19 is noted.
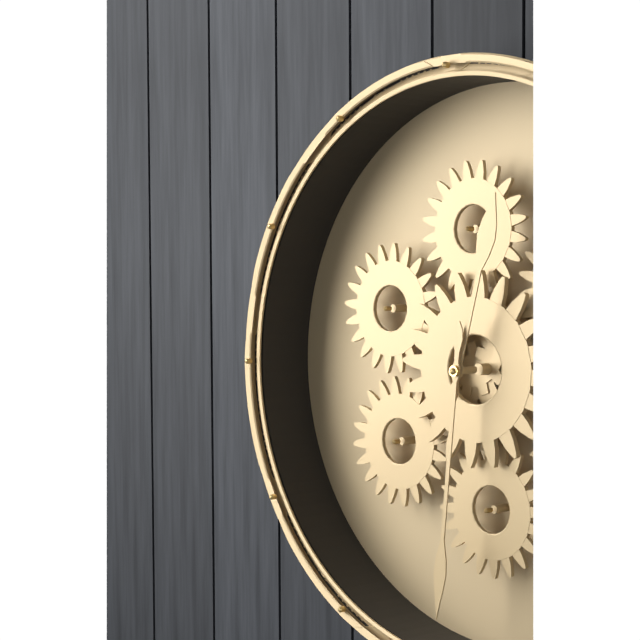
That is 12,31
